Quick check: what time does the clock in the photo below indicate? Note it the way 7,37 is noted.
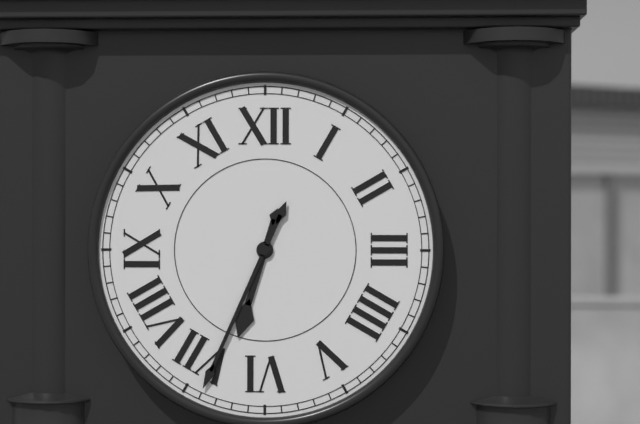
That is 6,34
